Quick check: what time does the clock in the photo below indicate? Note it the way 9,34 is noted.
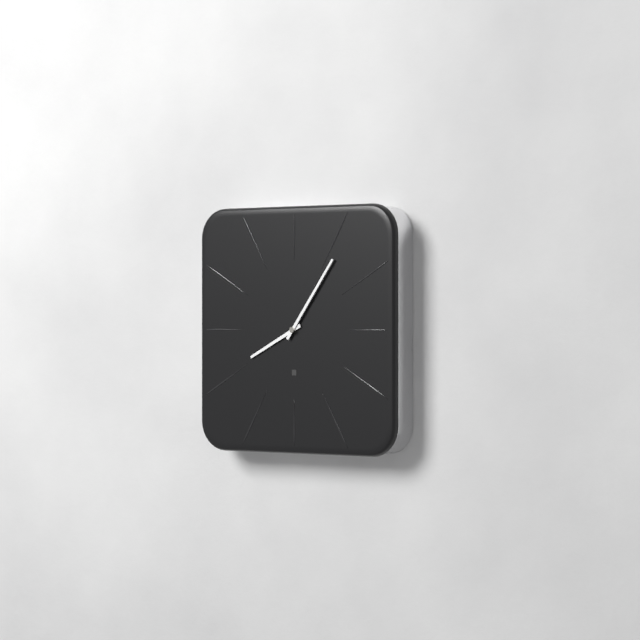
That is 8,06
